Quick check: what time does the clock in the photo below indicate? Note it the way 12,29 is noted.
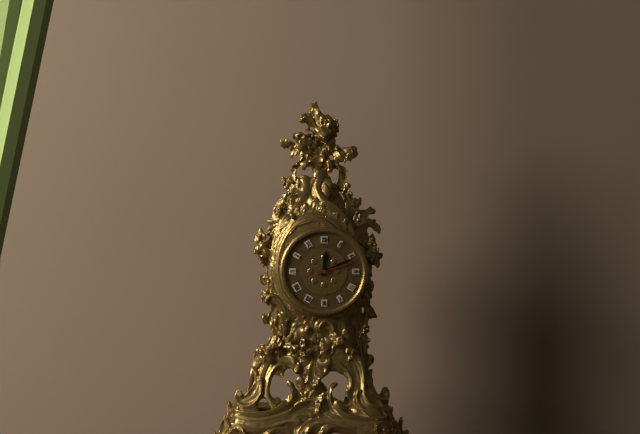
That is 12,11
